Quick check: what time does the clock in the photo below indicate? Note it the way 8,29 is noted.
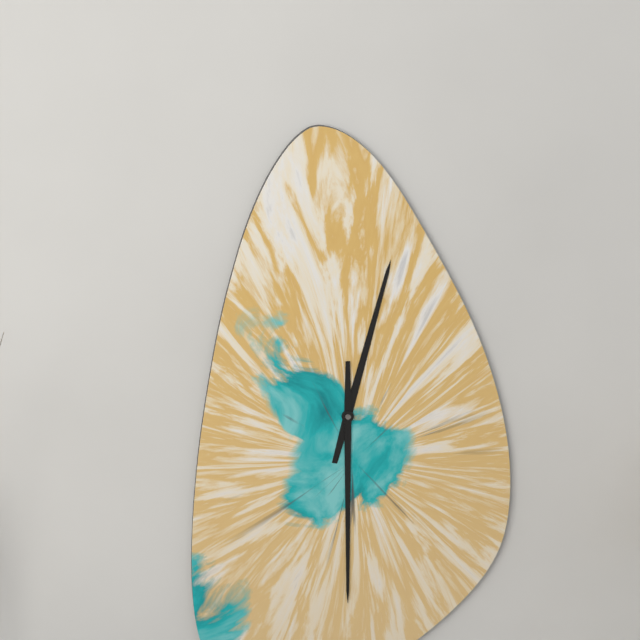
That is 12,30
